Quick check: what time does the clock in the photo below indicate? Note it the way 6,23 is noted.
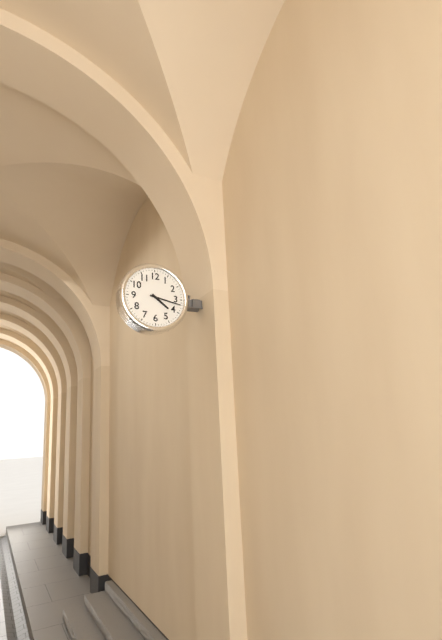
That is 4,17
